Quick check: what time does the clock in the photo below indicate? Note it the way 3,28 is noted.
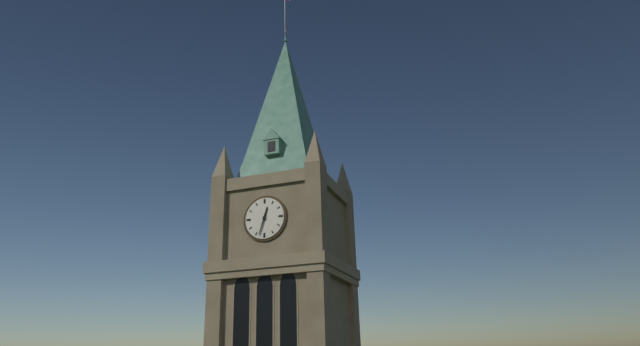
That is 12,33
